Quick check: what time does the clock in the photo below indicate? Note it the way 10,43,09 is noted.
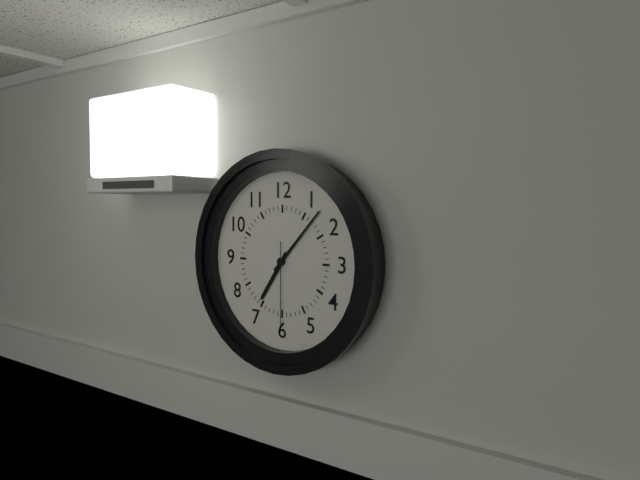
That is 7,07,30
